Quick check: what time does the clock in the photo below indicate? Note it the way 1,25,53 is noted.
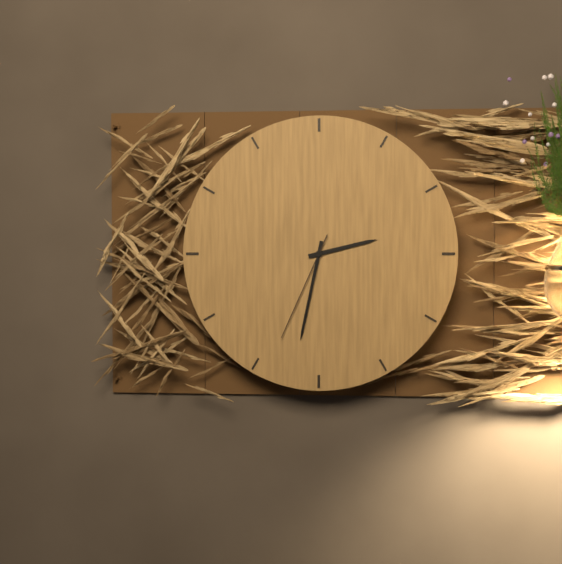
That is 2,32,34
